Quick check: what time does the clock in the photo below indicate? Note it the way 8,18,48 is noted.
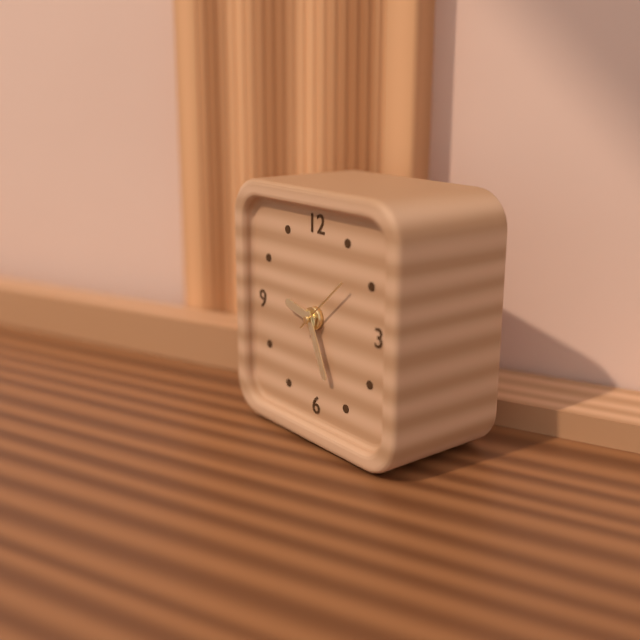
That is 9,26,08
